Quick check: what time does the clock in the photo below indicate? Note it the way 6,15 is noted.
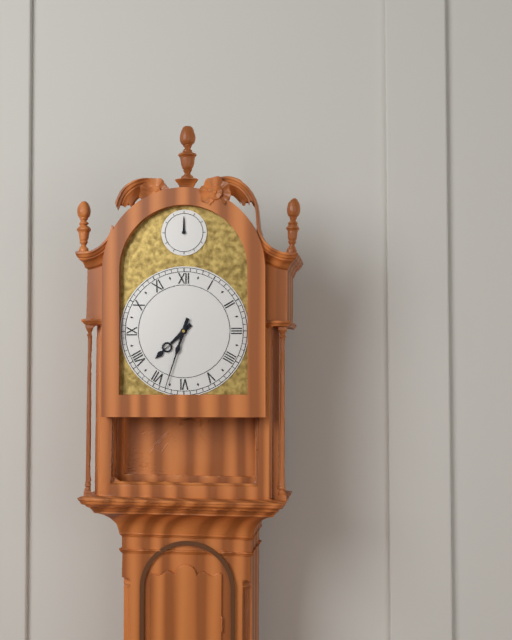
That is 7,33
